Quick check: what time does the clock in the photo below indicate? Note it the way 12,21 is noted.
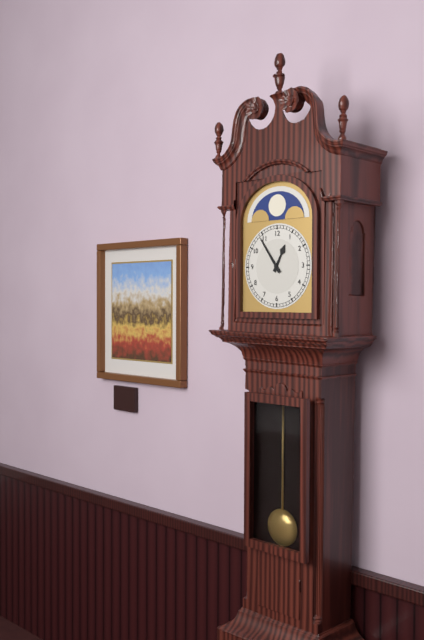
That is 12,54
